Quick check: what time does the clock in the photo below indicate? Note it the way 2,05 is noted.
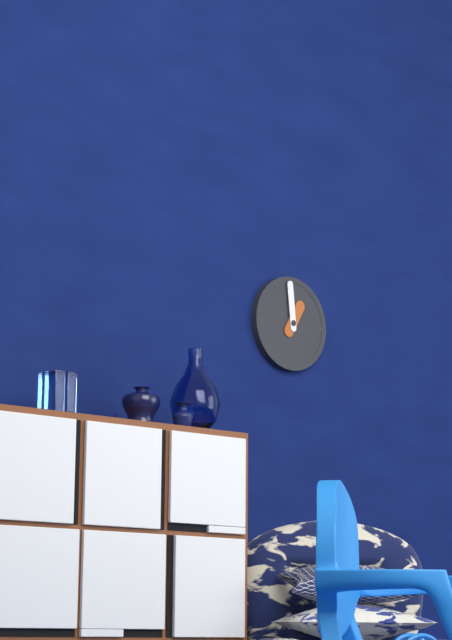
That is 12,59
